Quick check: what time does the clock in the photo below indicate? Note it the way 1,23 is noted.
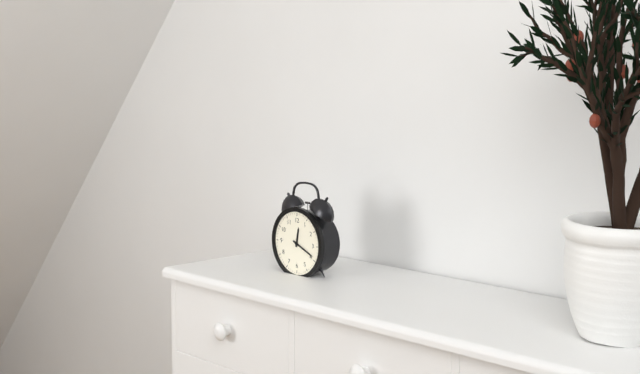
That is 12,19
